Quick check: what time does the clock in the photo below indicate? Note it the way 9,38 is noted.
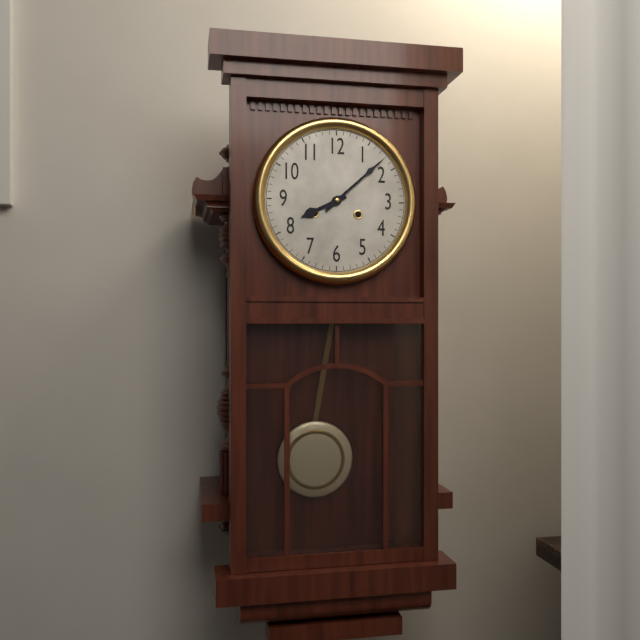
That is 8,08
